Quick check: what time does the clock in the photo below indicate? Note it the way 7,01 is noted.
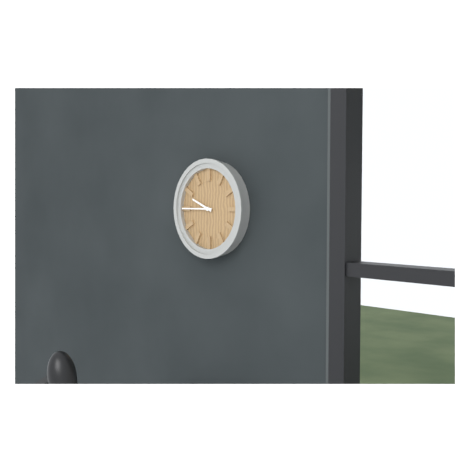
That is 9,45
